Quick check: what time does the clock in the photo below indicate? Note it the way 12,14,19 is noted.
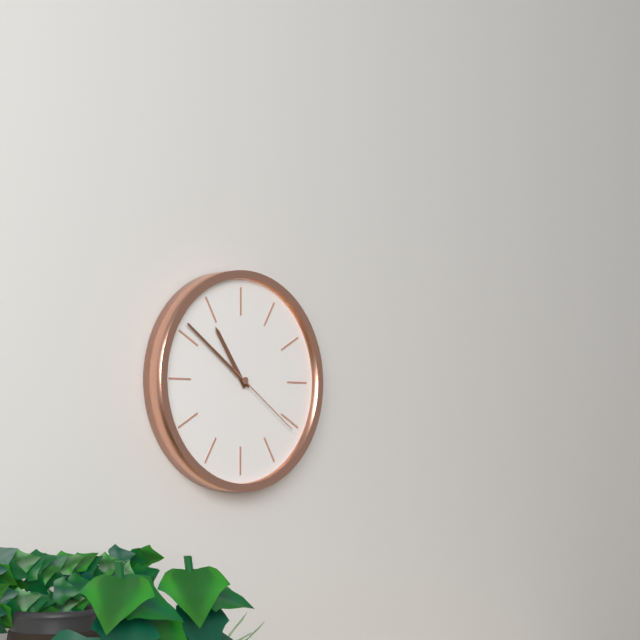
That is 10,51,21
